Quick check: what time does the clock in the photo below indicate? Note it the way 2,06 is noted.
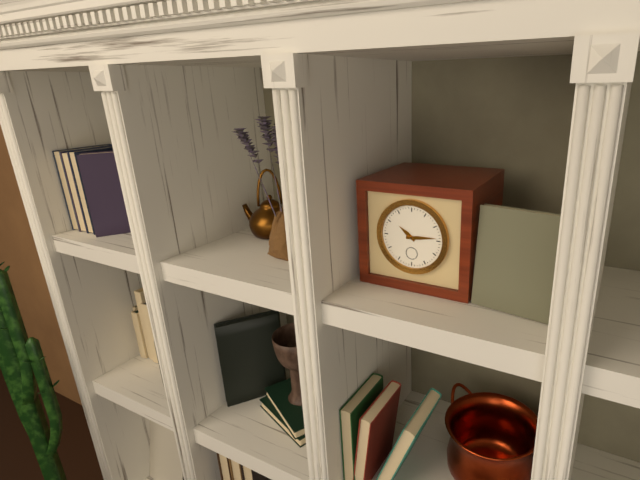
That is 10,14
